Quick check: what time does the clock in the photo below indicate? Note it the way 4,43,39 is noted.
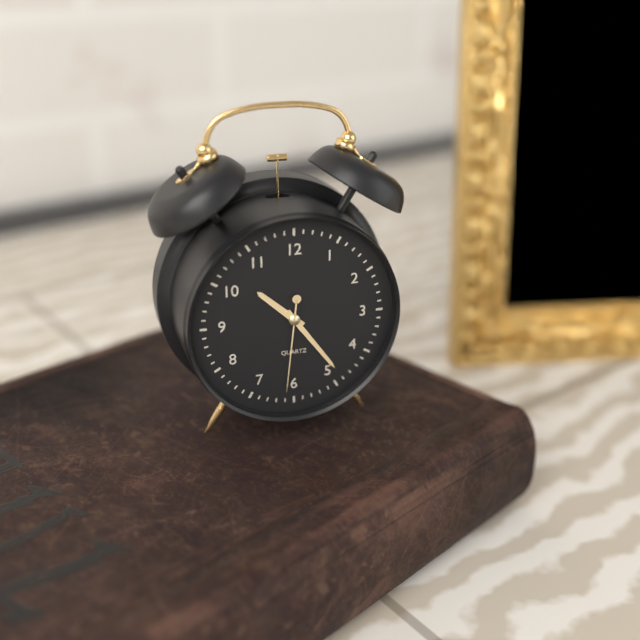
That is 10,24,31
